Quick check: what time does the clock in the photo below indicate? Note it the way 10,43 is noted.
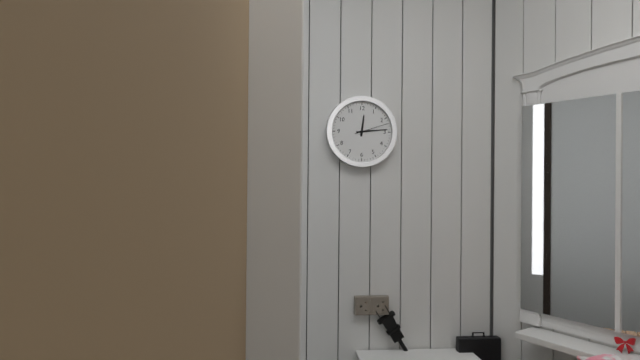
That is 12,14
